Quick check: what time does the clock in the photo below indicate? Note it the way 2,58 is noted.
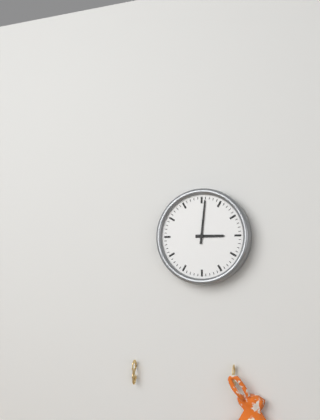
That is 3,01
